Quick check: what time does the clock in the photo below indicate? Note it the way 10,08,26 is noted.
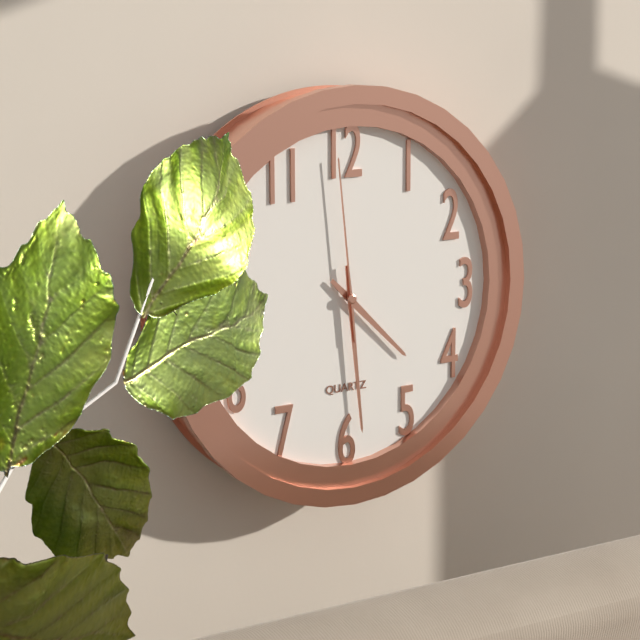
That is 4,29,59
